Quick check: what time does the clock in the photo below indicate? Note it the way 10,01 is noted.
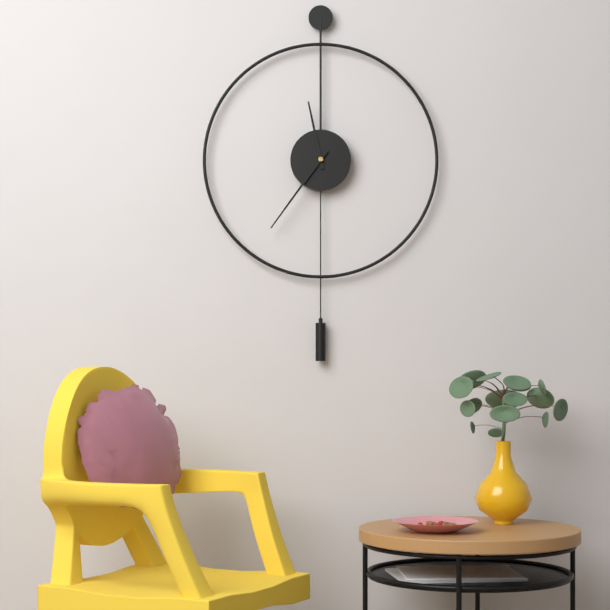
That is 11,36
